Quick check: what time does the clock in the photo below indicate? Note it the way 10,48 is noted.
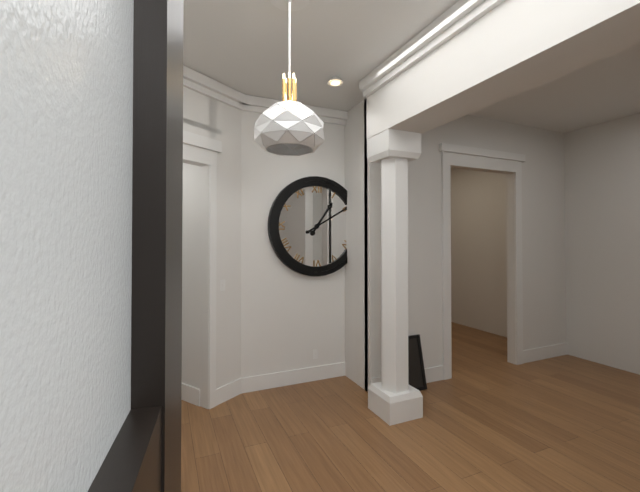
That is 1,10
